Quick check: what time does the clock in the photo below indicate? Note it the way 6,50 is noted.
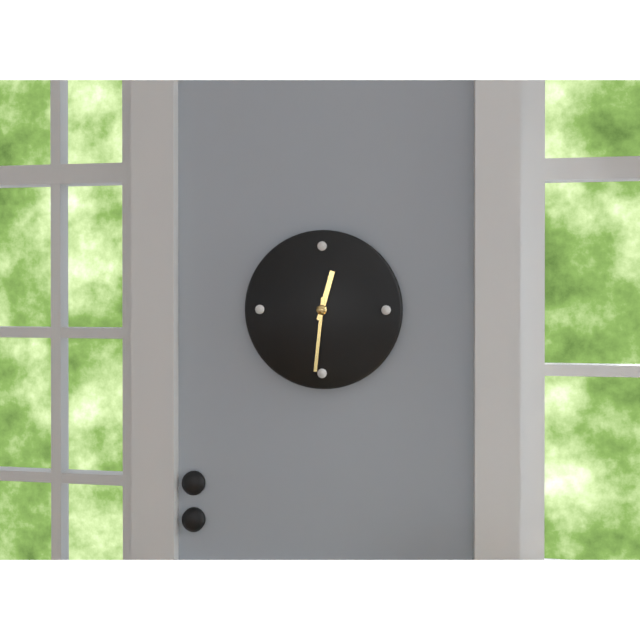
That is 12,31
